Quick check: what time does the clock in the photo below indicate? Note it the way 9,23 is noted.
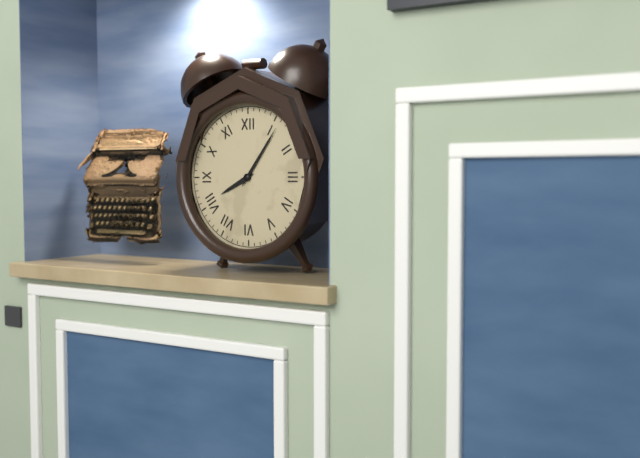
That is 8,06
